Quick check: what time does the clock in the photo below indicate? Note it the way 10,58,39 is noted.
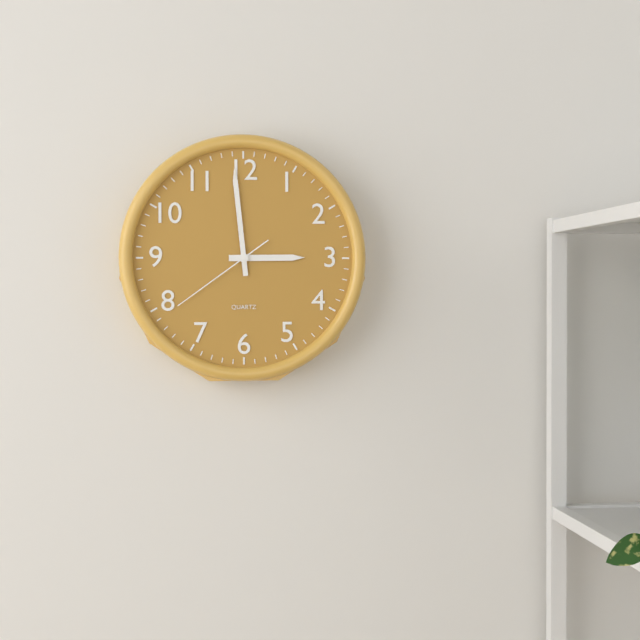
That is 2,59,39
